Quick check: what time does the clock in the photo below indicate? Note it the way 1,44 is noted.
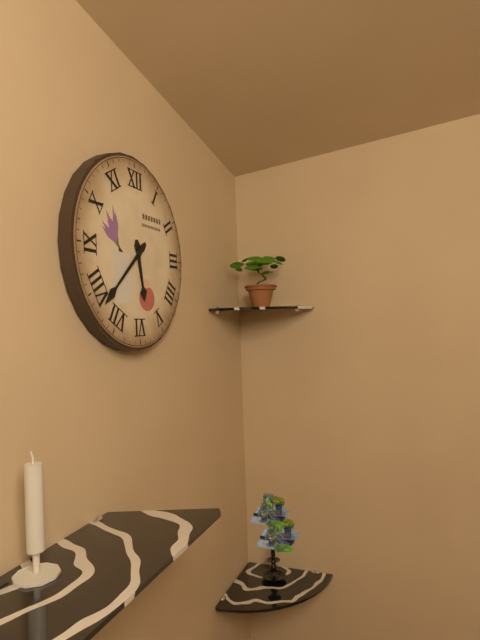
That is 5,38
